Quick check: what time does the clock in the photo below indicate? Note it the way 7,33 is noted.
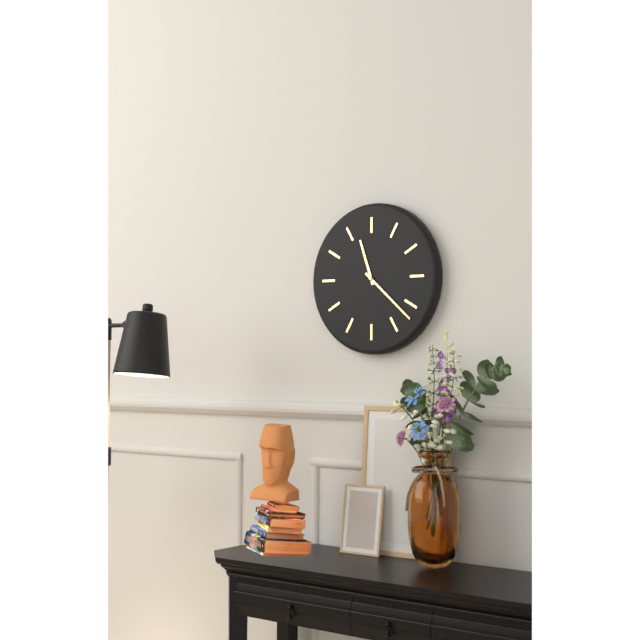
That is 11,22
